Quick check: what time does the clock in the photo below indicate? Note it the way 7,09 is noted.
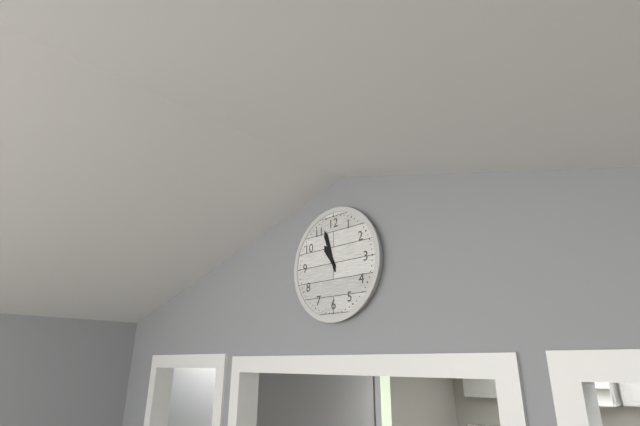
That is 10,57
